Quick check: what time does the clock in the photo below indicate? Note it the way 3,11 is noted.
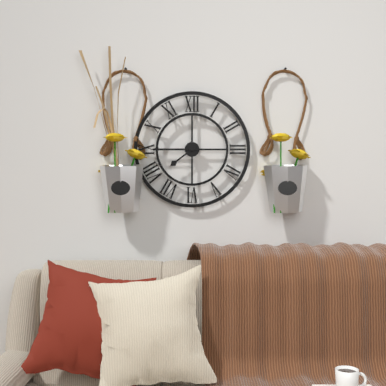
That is 7,45
